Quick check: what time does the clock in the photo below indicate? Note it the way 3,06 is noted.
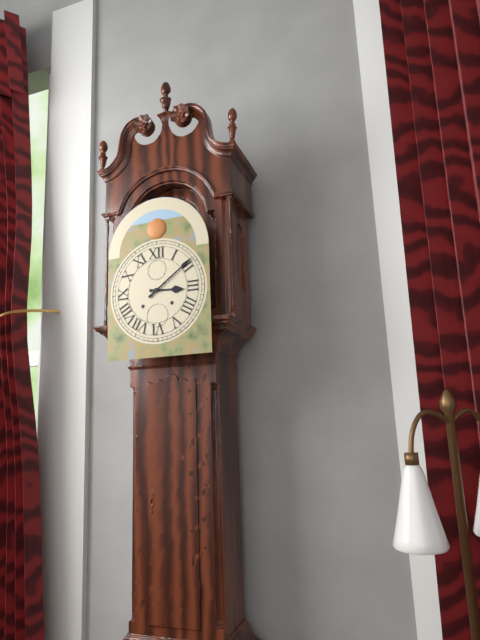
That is 3,09
